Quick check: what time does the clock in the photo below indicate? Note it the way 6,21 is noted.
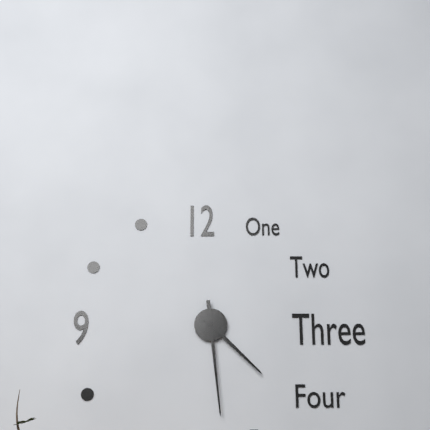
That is 4,29
